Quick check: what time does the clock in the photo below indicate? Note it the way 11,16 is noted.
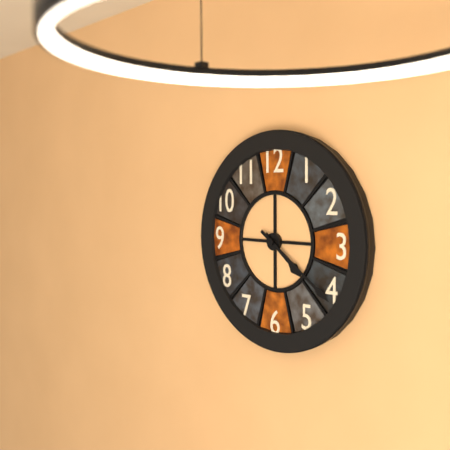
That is 4,21
